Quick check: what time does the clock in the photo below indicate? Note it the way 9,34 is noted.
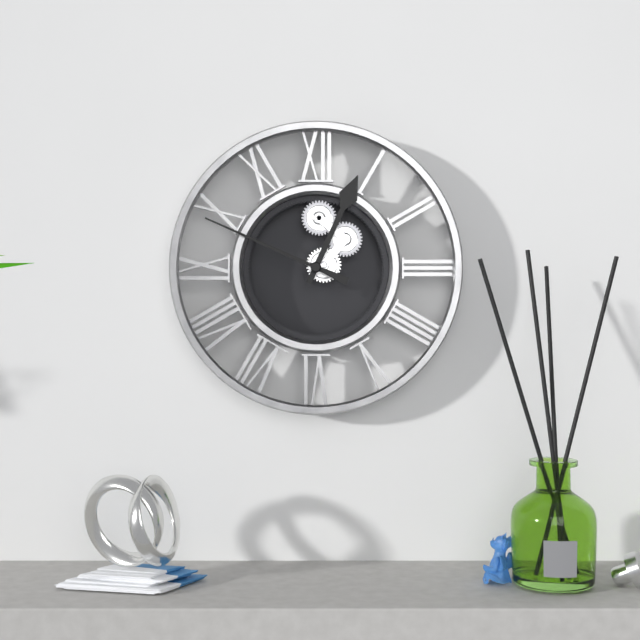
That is 12,49
